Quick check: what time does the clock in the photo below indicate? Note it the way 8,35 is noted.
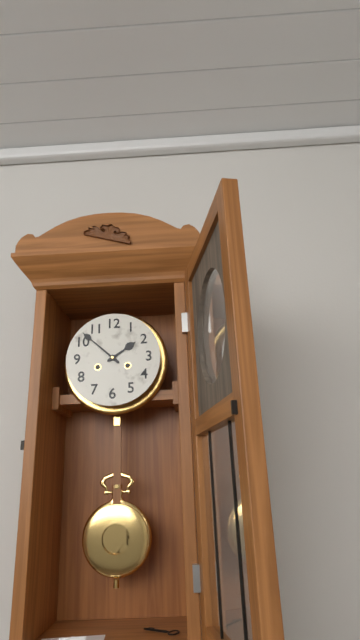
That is 1,52
